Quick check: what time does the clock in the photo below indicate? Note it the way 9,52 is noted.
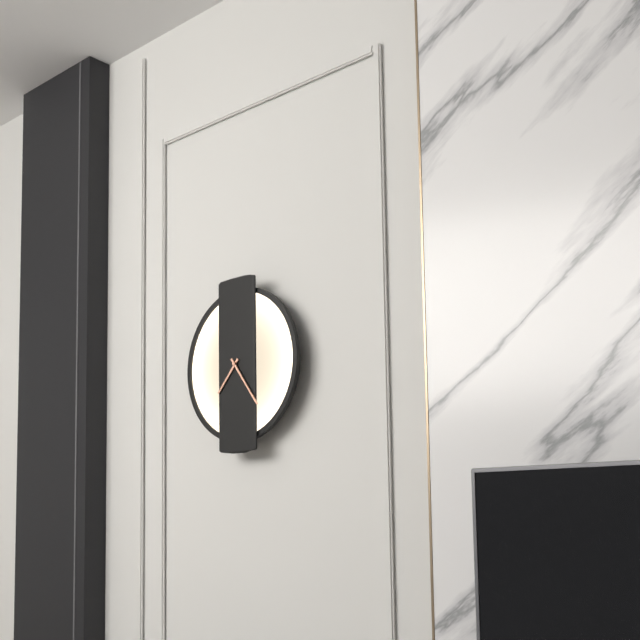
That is 7,24
